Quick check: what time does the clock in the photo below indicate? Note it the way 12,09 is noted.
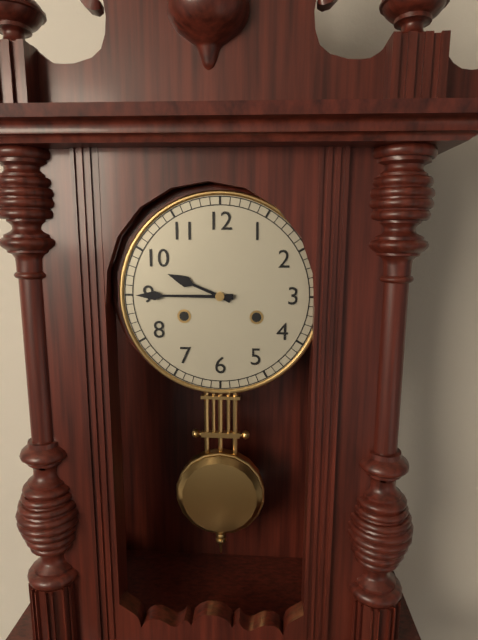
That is 9,45
